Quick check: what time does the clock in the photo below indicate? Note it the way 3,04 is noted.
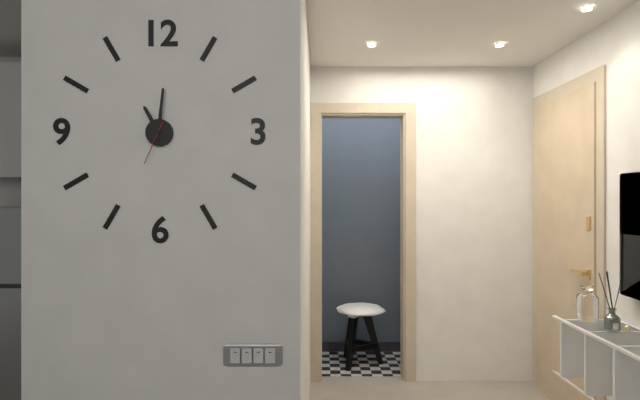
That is 11,01
